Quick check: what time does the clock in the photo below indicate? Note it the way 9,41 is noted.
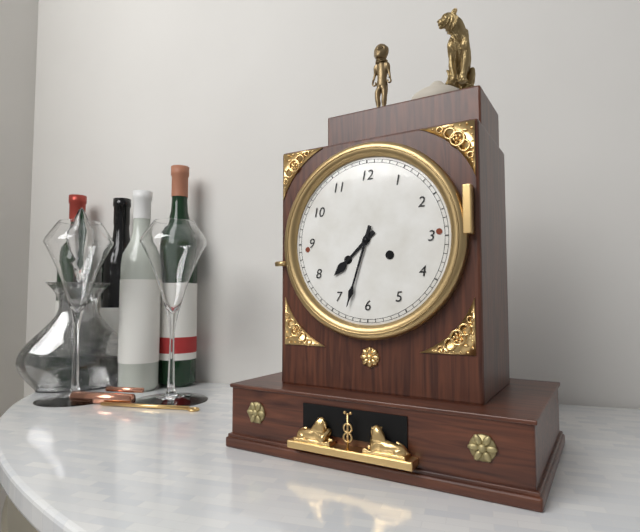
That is 7,33
